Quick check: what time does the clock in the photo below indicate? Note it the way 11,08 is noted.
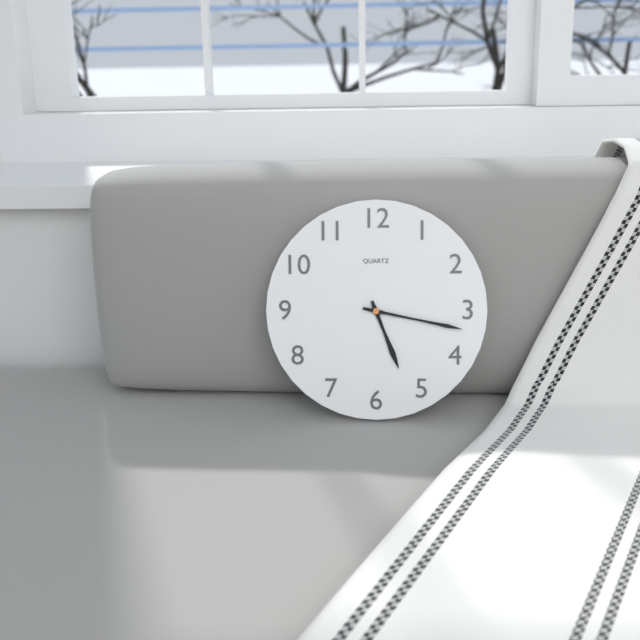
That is 5,17
